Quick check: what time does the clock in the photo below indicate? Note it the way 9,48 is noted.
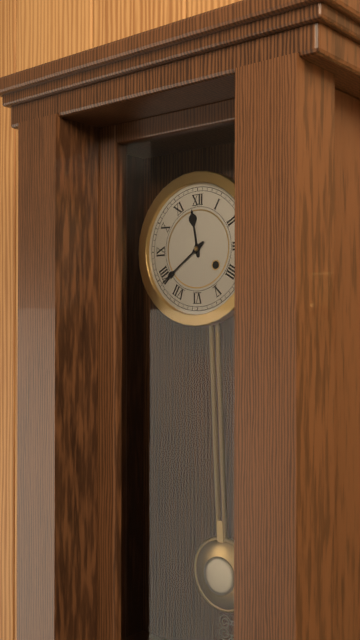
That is 11,39
